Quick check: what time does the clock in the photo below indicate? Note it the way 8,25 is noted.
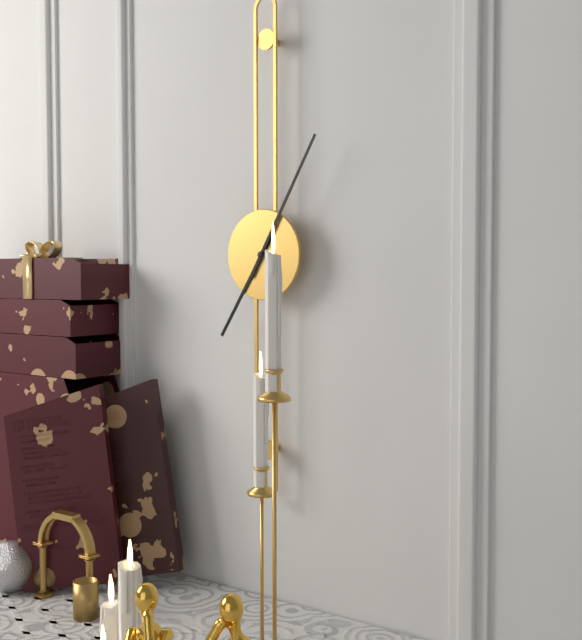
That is 7,05
